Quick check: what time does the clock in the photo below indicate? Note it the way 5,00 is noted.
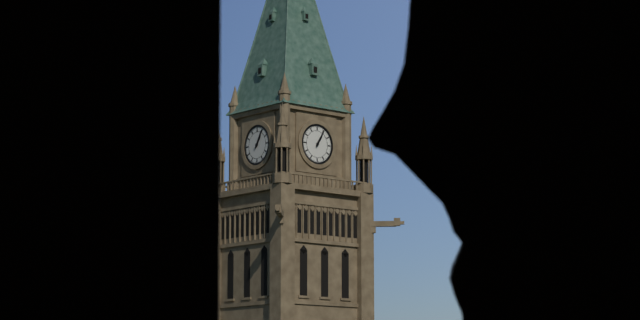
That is 1,05
